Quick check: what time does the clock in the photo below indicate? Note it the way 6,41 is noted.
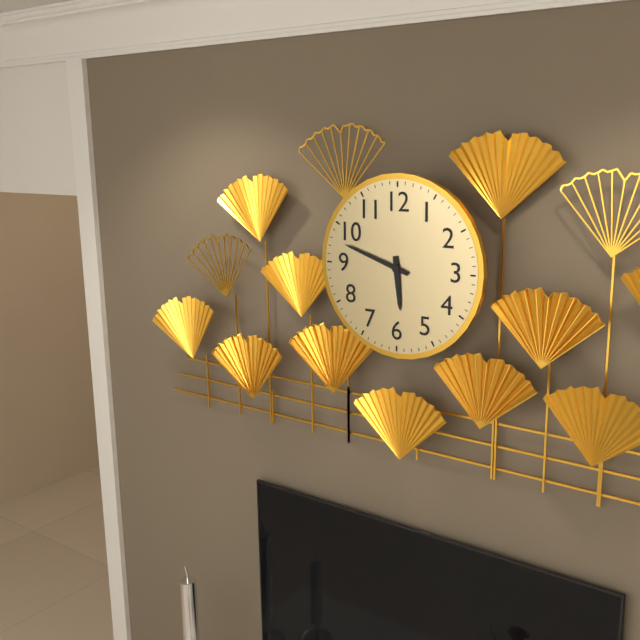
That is 5,48
